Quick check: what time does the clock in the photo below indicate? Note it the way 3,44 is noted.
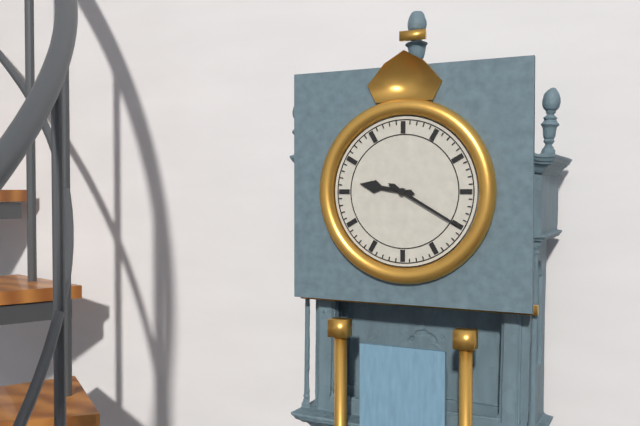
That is 9,20
